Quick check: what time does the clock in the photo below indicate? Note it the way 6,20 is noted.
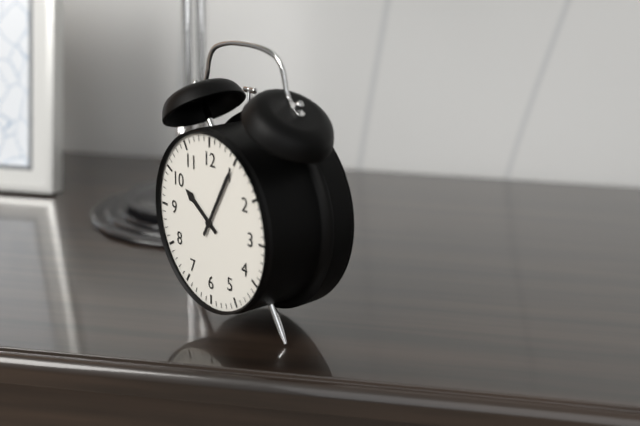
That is 10,05
